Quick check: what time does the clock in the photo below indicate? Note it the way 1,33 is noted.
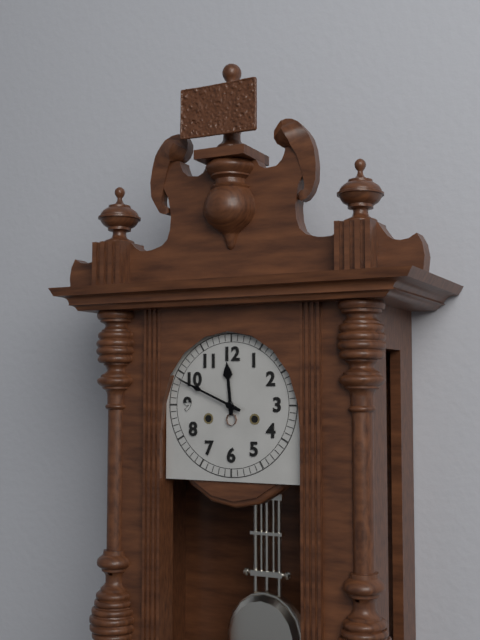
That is 11,49
